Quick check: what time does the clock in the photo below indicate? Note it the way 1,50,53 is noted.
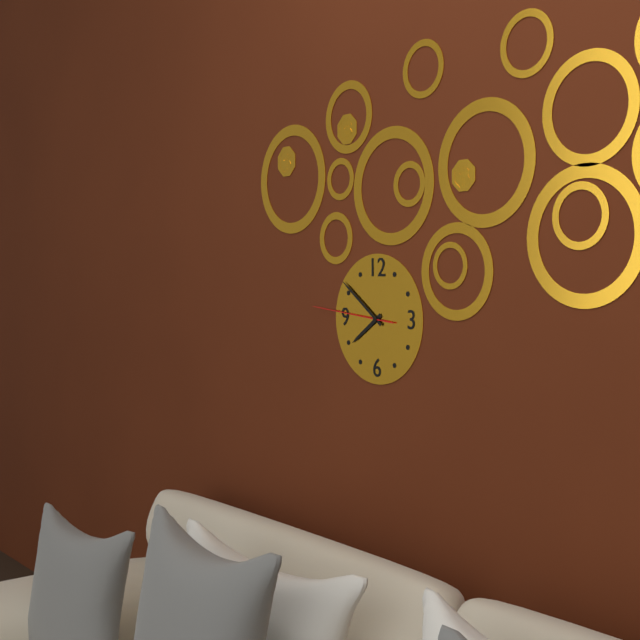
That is 7,51,46
